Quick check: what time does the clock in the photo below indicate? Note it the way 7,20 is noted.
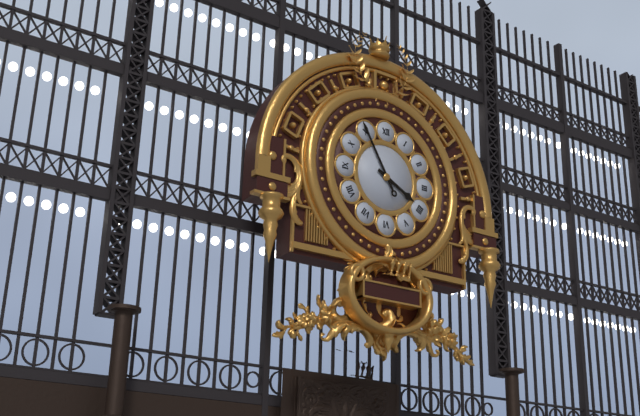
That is 3,55
